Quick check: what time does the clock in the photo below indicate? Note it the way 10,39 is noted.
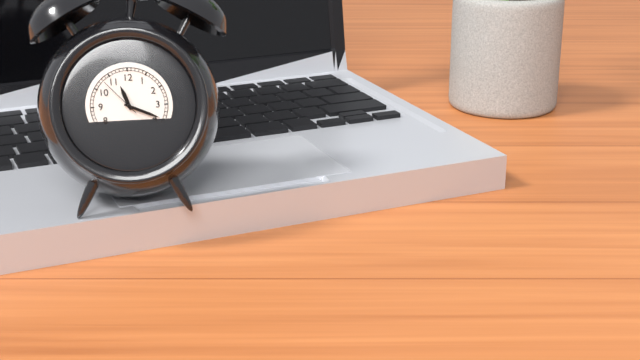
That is 11,19
